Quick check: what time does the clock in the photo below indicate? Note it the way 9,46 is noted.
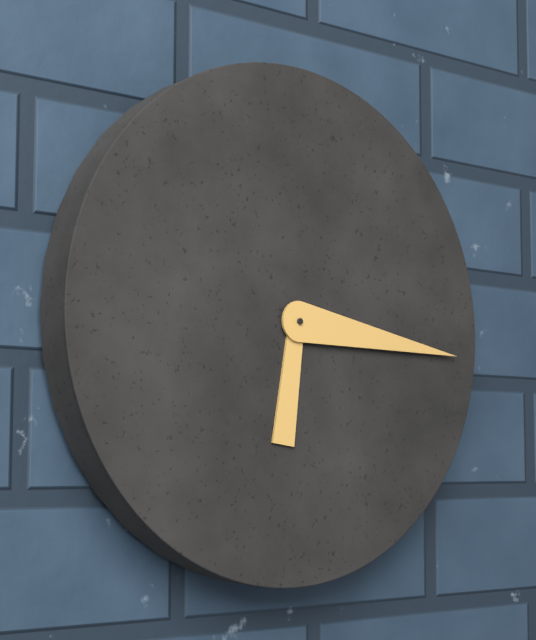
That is 6,16
